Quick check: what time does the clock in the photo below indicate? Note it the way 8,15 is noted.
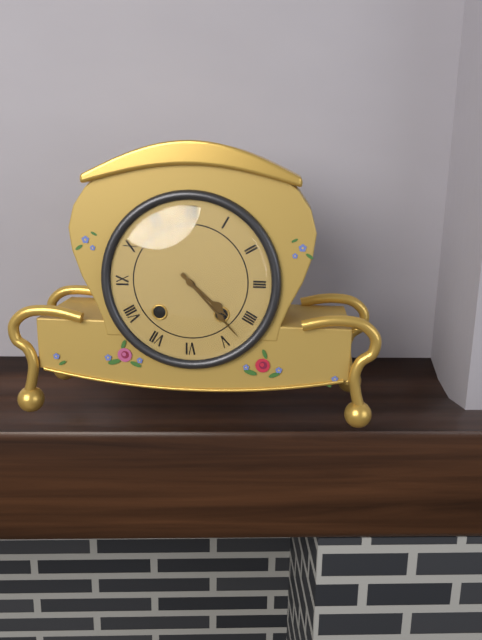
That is 4,23
